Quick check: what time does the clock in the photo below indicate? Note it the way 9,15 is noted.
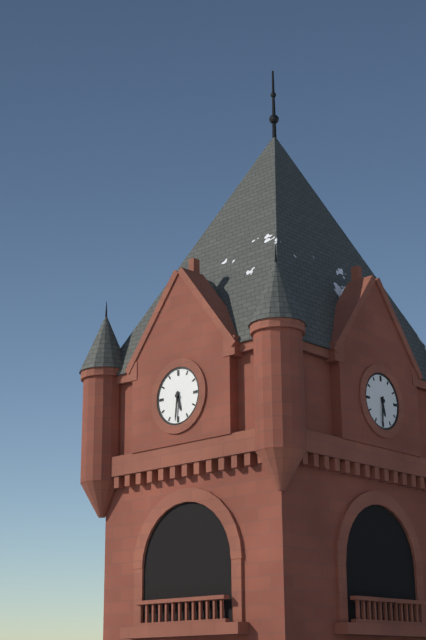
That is 5,31
